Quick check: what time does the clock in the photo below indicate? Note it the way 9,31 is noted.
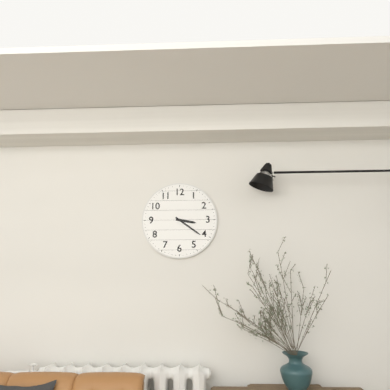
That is 3,21
